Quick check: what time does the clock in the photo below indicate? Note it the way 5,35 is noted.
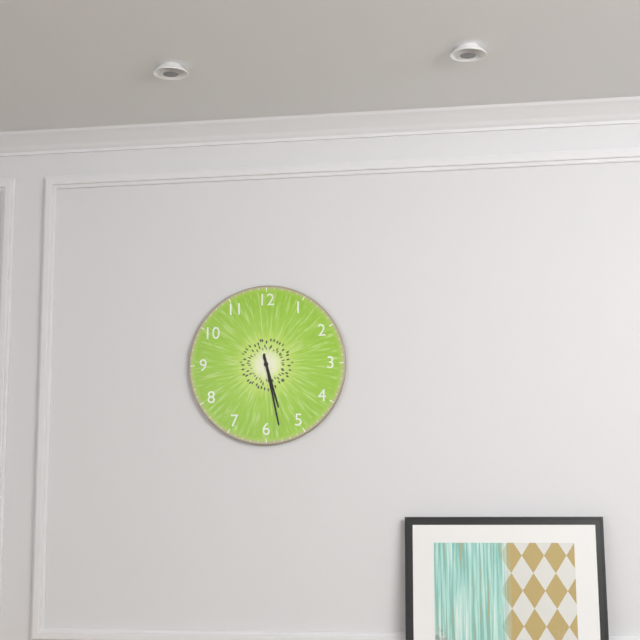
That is 5,28
